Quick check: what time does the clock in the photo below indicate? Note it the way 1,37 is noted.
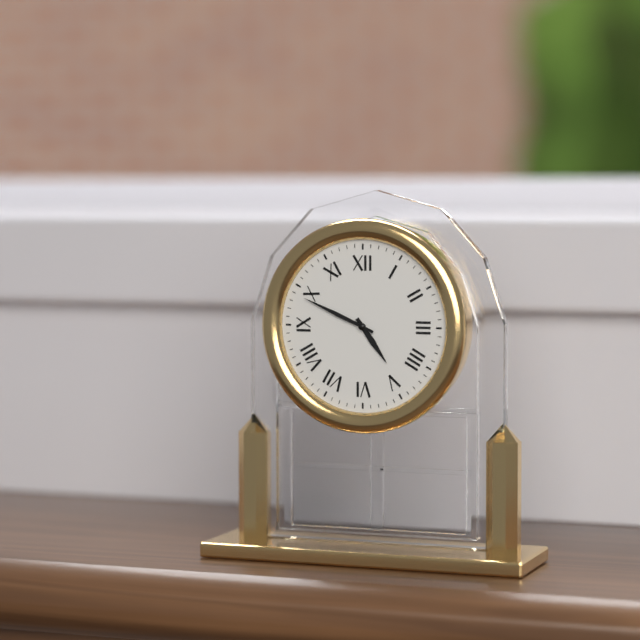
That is 4,49
